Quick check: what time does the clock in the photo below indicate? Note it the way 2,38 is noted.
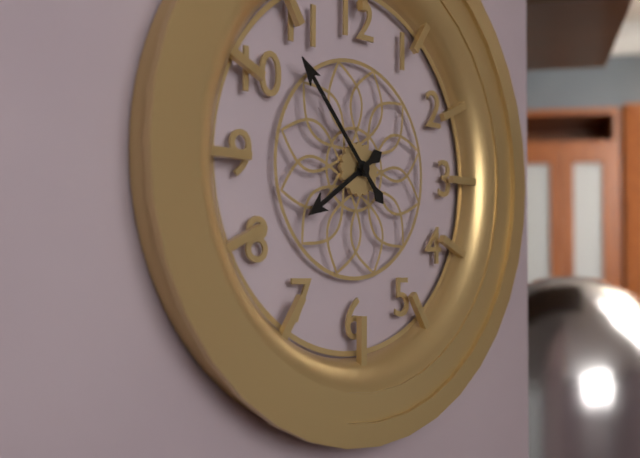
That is 7,53
